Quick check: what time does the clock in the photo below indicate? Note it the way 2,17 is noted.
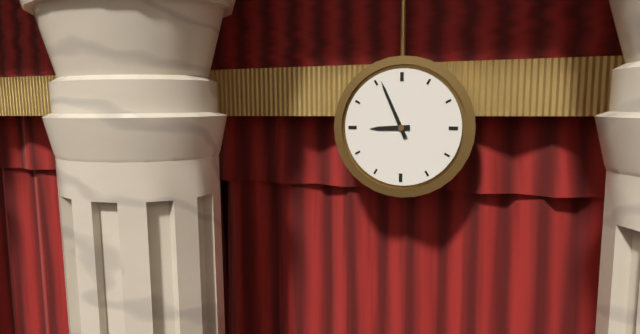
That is 8,56
